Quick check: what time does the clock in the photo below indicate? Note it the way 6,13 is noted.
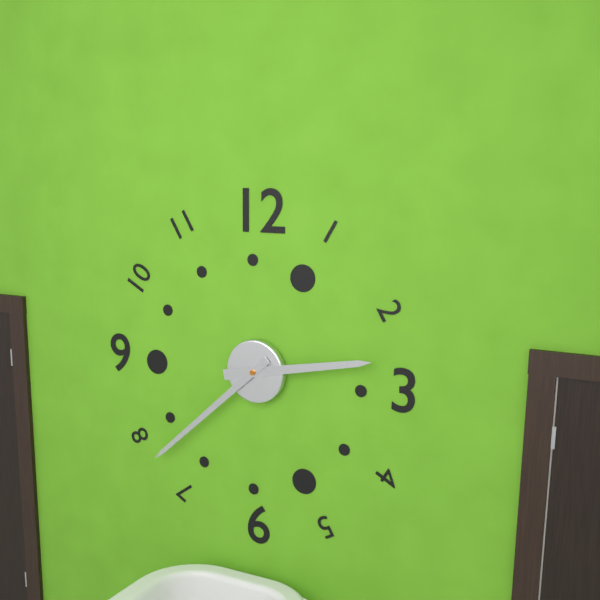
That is 2,38
